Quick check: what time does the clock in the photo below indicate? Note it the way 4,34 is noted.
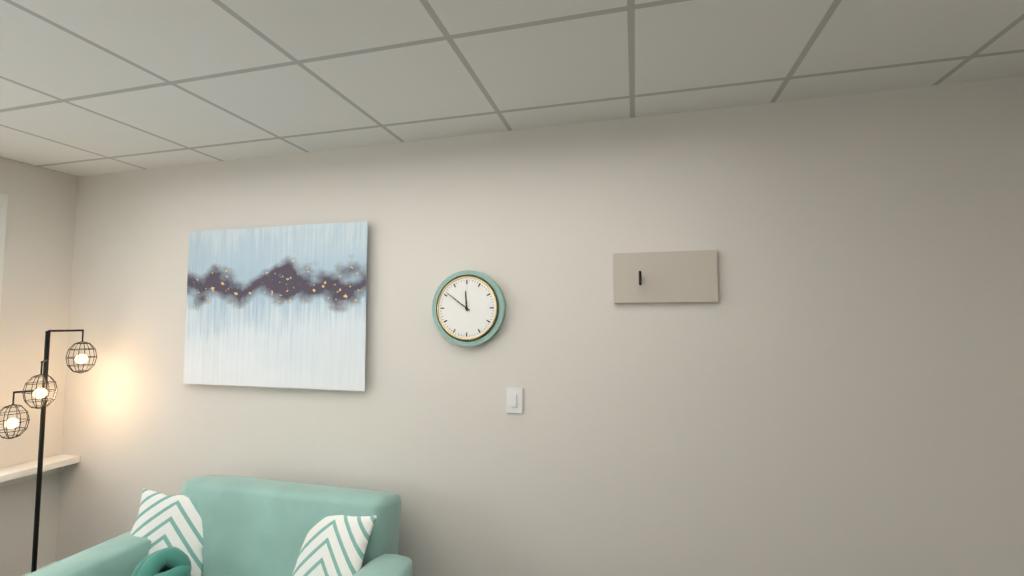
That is 11,51
